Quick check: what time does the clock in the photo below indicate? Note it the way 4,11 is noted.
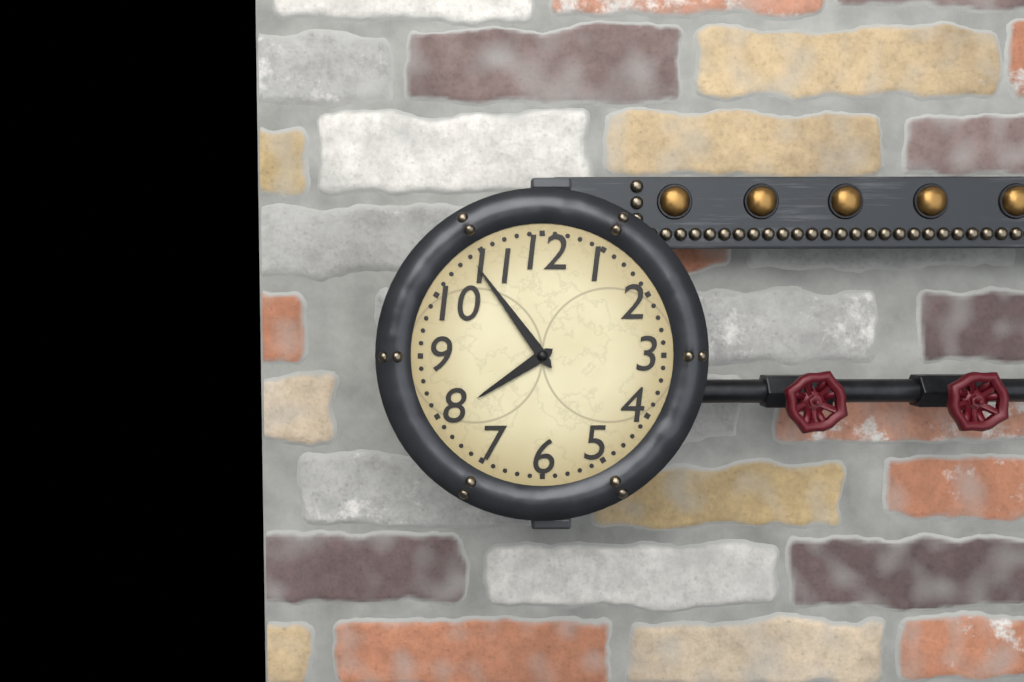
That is 7,54
